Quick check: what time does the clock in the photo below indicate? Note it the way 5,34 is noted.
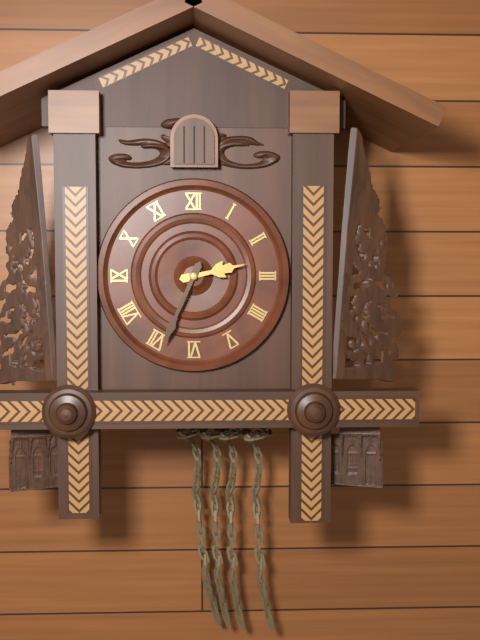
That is 2,34
